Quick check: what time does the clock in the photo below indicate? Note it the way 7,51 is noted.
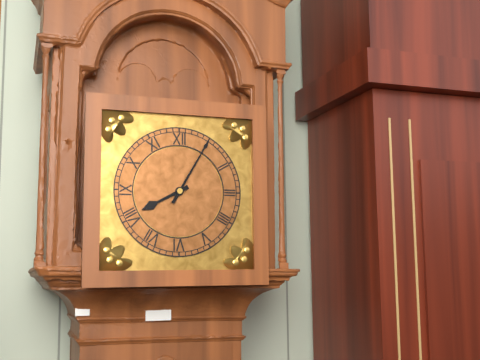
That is 8,05
